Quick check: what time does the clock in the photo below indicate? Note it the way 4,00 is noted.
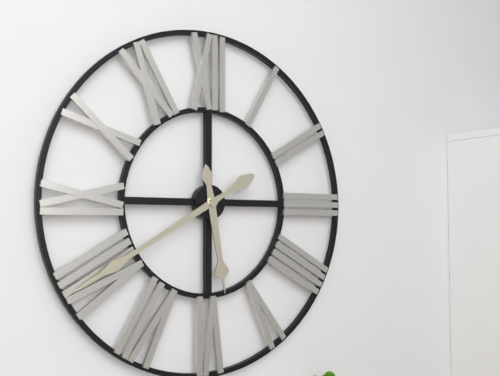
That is 5,40
